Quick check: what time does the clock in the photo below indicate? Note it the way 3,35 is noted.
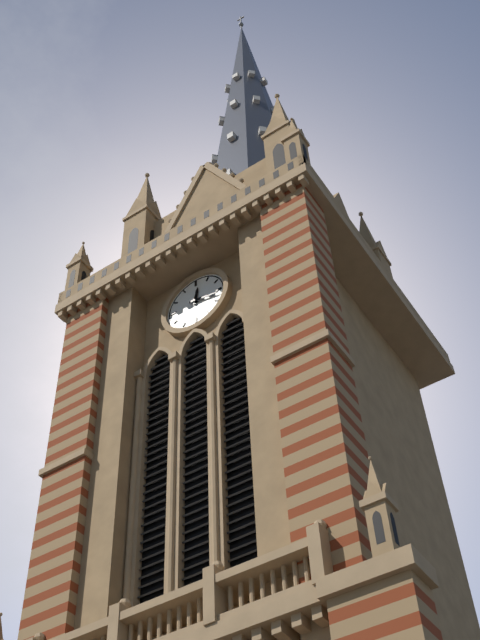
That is 12,17
